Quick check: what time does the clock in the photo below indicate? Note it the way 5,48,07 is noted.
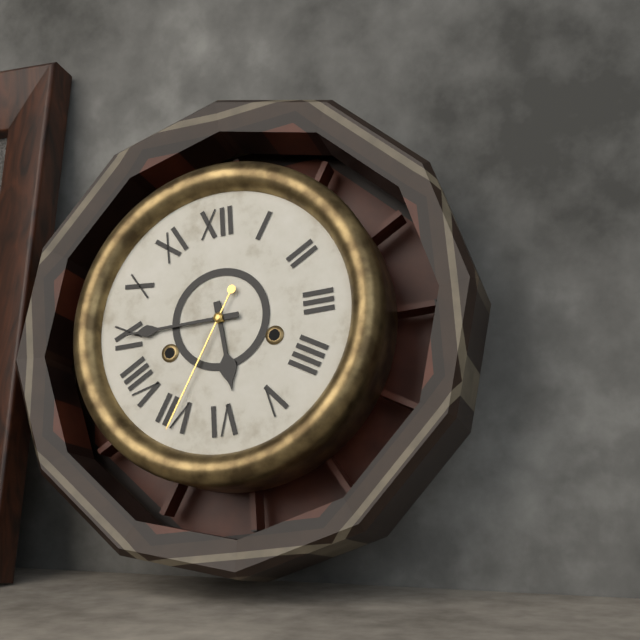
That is 5,45,35
